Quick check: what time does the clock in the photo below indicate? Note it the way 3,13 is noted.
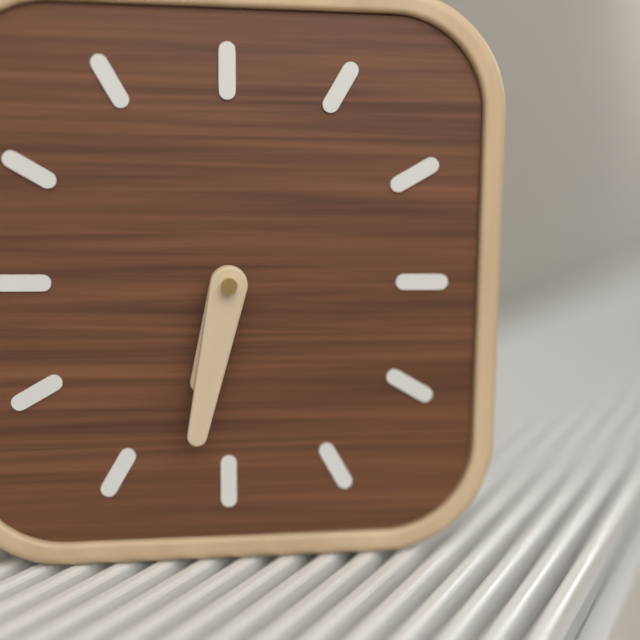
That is 6,32
